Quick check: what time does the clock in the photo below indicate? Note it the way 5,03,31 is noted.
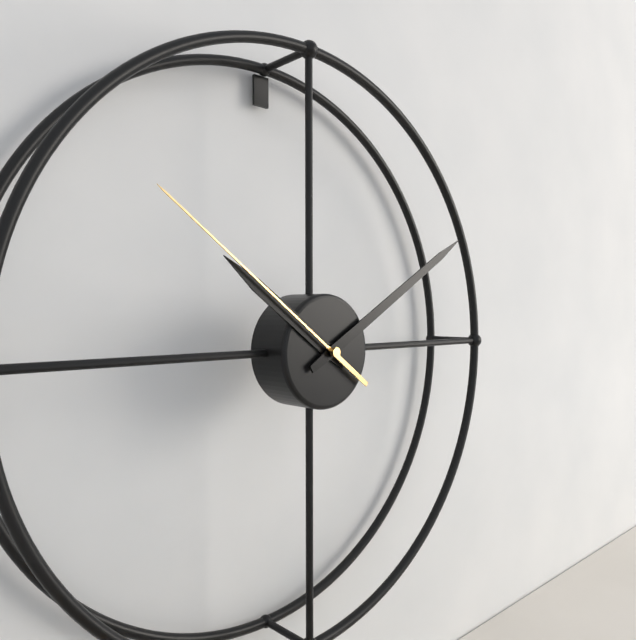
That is 10,10,51
